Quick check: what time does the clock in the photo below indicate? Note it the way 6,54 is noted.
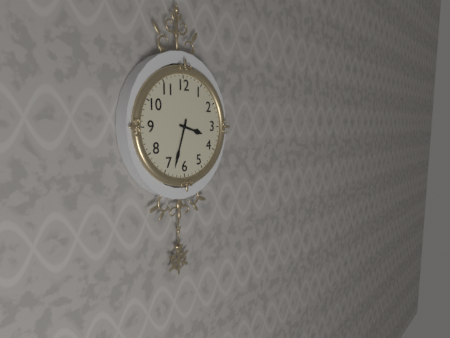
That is 3,33
